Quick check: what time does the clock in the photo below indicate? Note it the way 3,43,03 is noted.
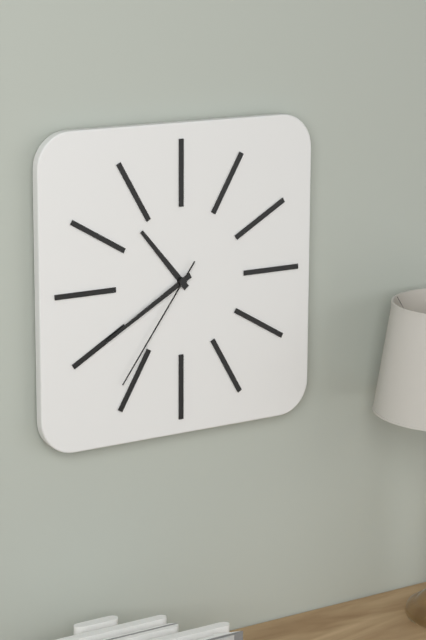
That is 10,40,36
